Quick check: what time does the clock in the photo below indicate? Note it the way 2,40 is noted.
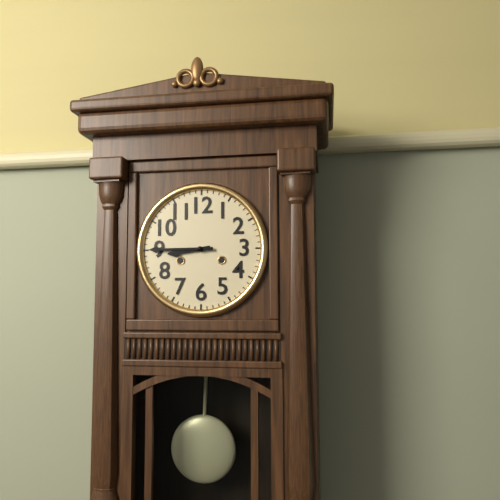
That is 8,45
